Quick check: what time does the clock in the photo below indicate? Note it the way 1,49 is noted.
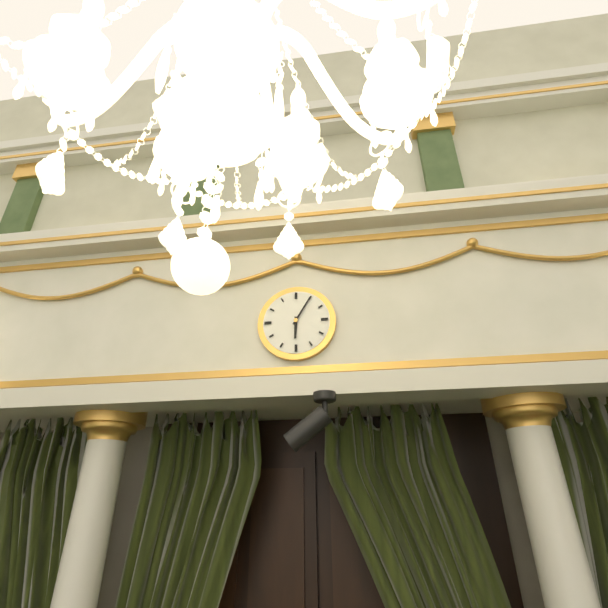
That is 6,05
